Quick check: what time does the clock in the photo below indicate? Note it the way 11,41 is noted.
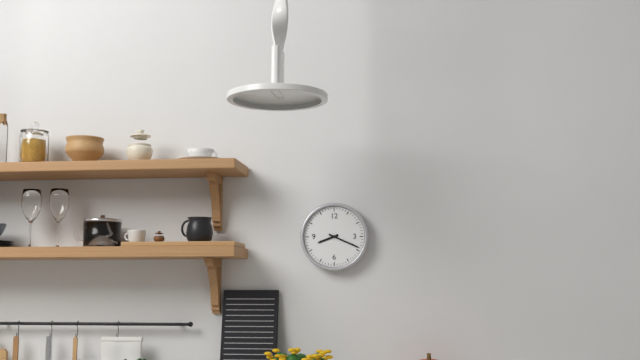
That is 8,19
